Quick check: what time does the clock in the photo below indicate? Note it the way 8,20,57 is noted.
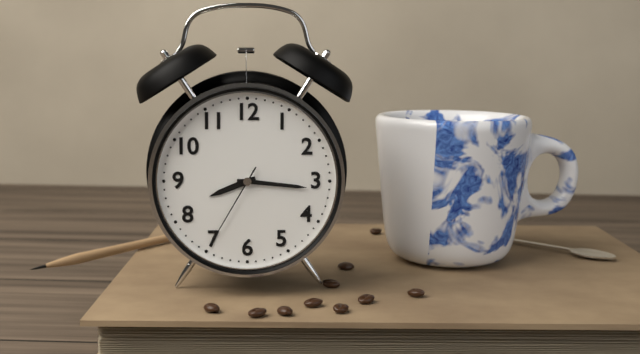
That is 8,16,35
